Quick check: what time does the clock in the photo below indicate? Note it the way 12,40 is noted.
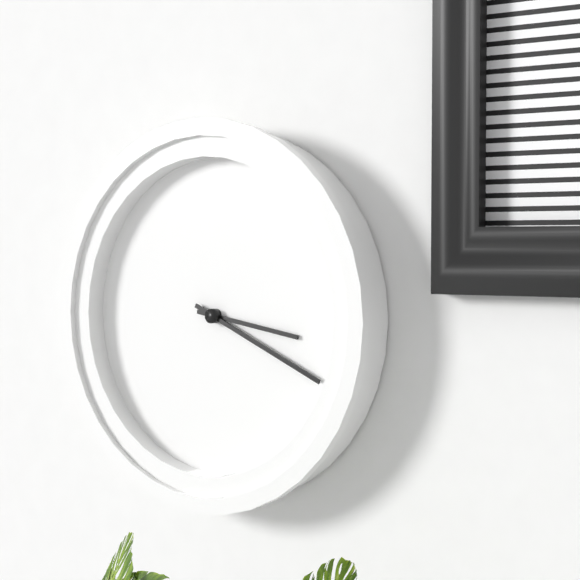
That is 3,19
